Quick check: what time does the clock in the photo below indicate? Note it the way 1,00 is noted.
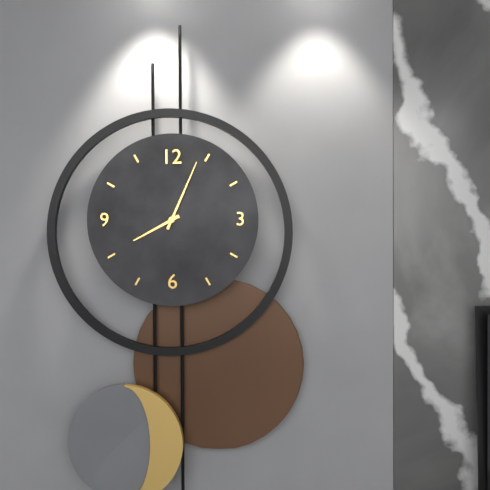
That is 8,04
